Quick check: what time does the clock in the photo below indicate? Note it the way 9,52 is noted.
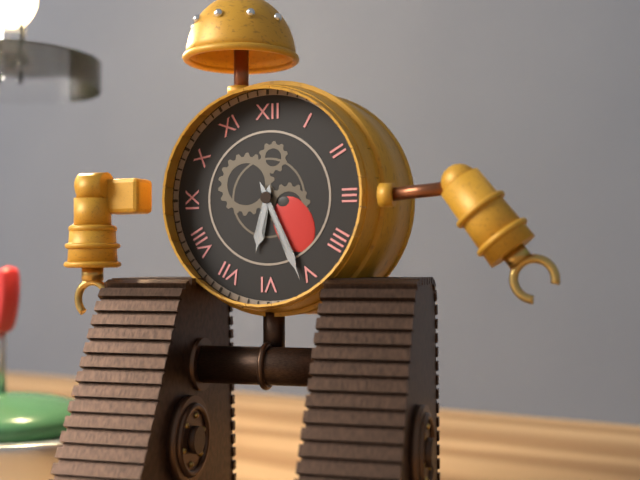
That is 6,26
